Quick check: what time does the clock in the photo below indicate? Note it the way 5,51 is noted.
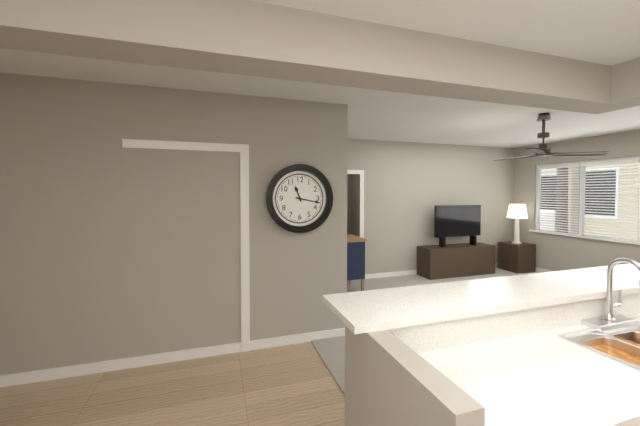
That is 11,17
